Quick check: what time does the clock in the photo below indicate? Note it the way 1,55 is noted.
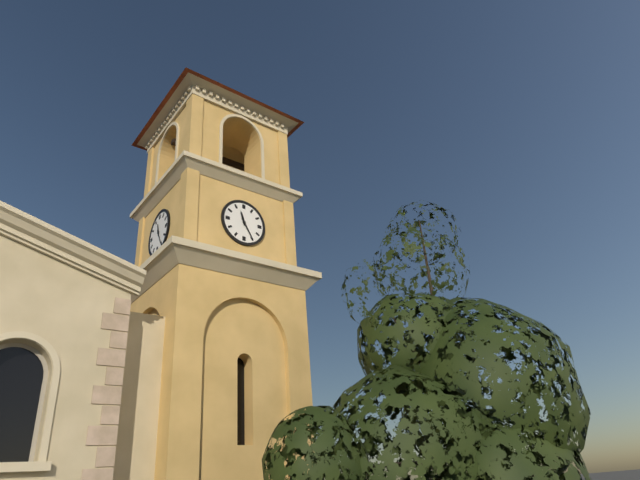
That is 11,25
